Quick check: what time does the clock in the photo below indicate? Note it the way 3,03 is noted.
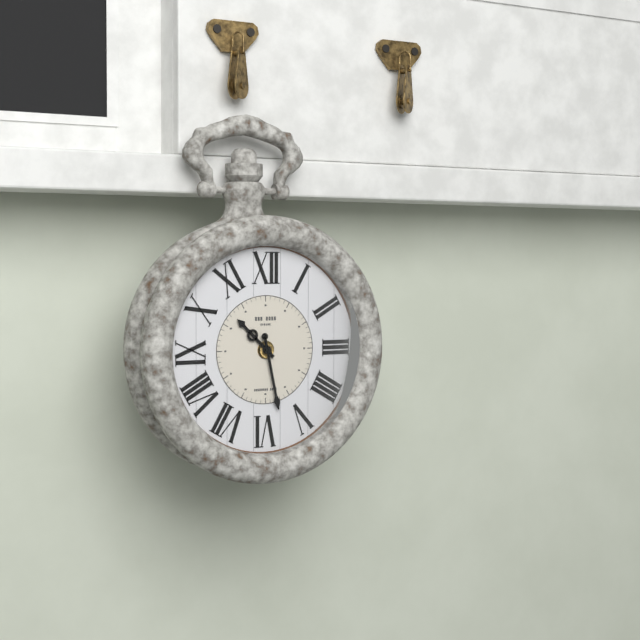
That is 10,28
